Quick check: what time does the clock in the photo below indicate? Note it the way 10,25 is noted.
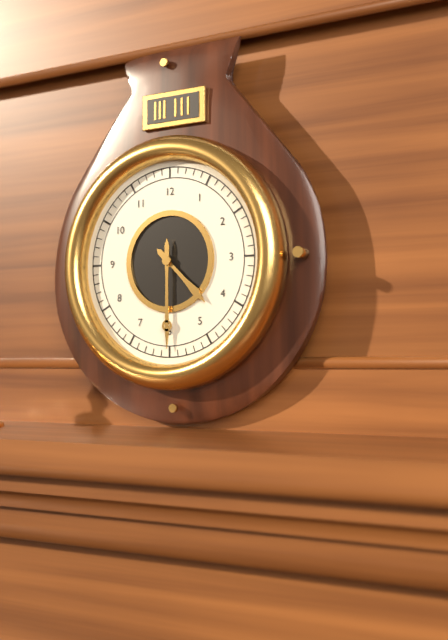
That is 4,30
